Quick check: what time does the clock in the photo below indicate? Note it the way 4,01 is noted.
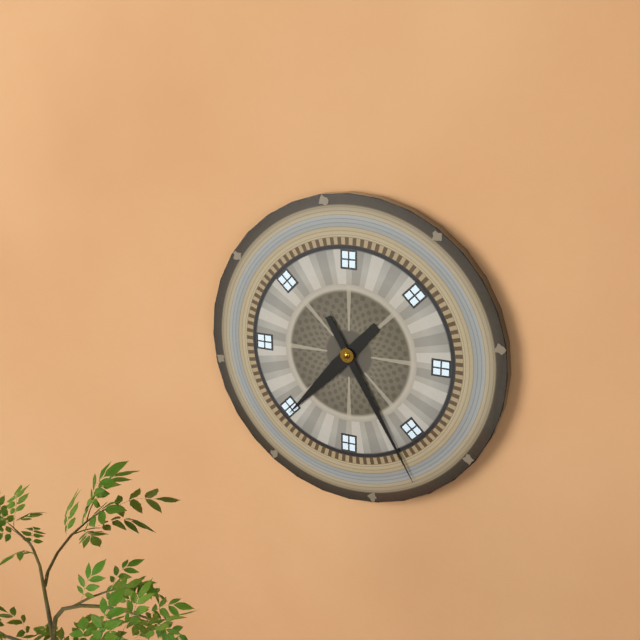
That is 7,25
